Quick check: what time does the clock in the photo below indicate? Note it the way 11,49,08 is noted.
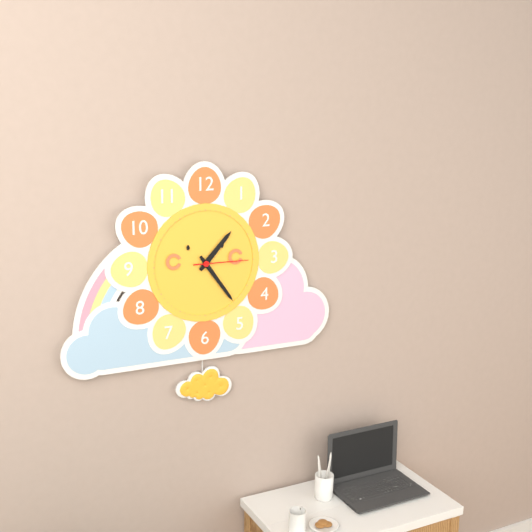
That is 1,24,15
